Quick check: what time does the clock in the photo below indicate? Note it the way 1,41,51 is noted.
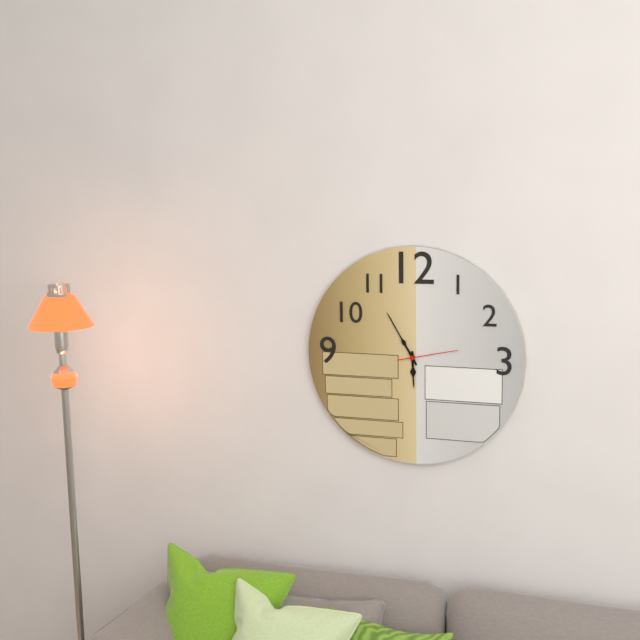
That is 5,55,13
